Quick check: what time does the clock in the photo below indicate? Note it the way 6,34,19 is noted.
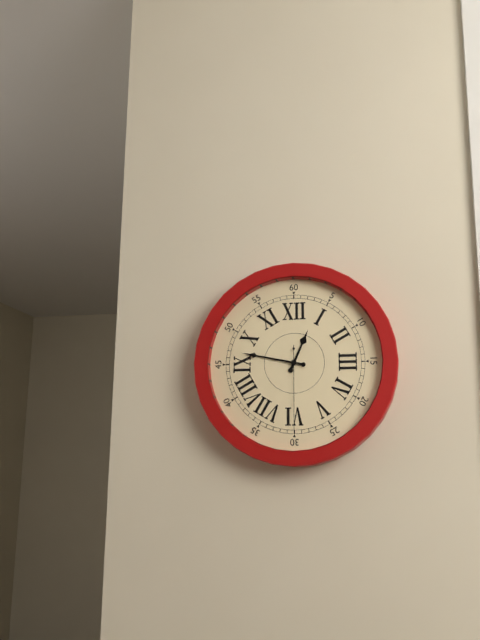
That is 12,47,30
